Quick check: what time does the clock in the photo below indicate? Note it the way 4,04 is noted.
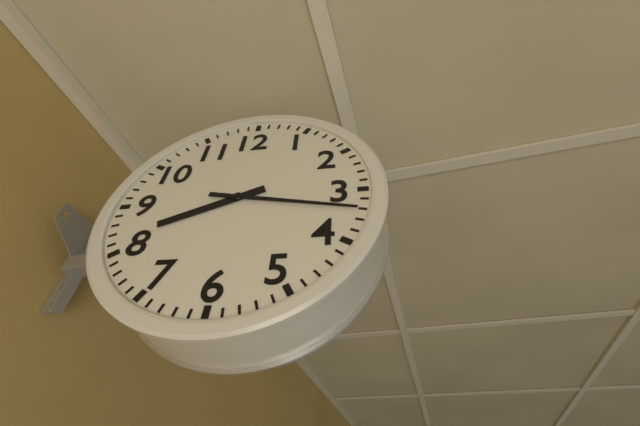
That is 8,17
